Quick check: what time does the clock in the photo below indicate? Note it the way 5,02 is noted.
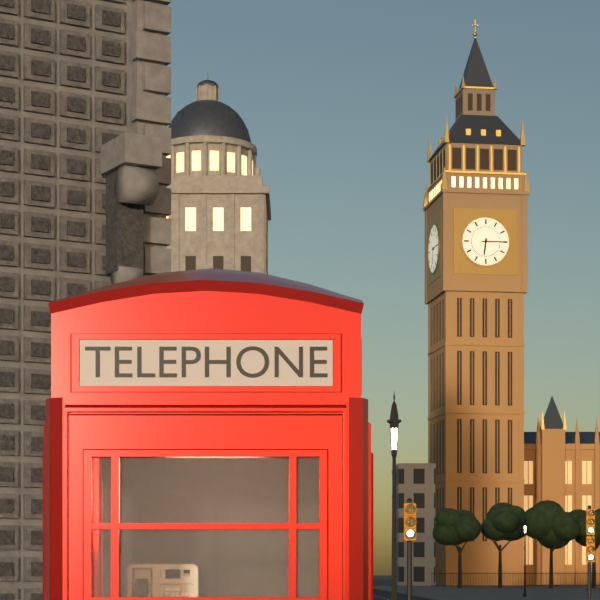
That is 6,15
